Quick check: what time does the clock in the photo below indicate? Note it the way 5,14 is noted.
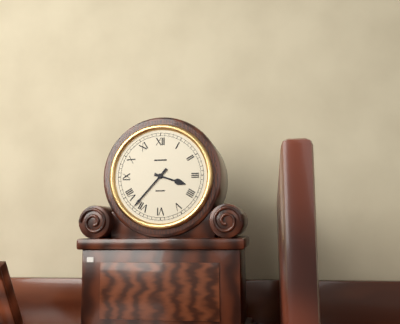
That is 3,37
